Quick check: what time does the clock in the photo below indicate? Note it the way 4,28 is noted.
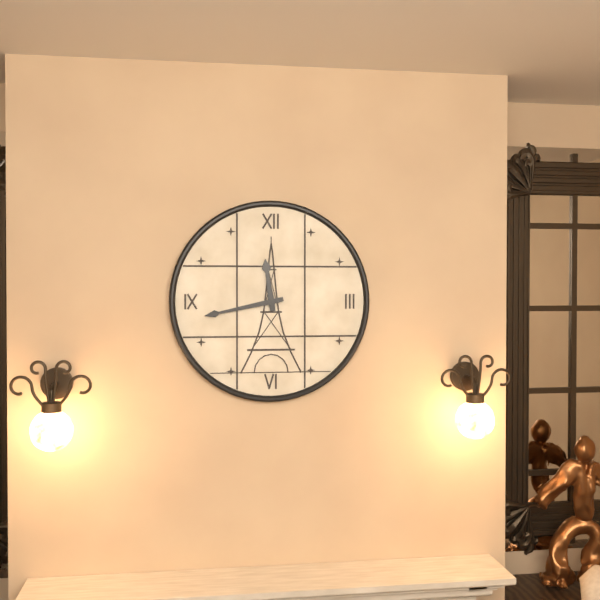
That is 11,43
